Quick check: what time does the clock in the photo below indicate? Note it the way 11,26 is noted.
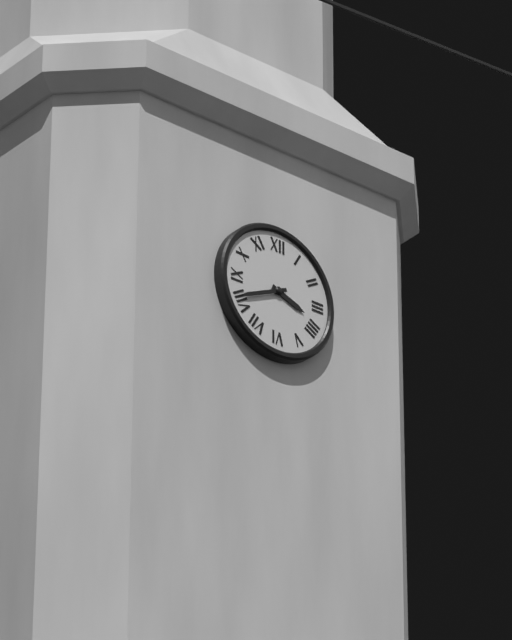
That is 3,41
